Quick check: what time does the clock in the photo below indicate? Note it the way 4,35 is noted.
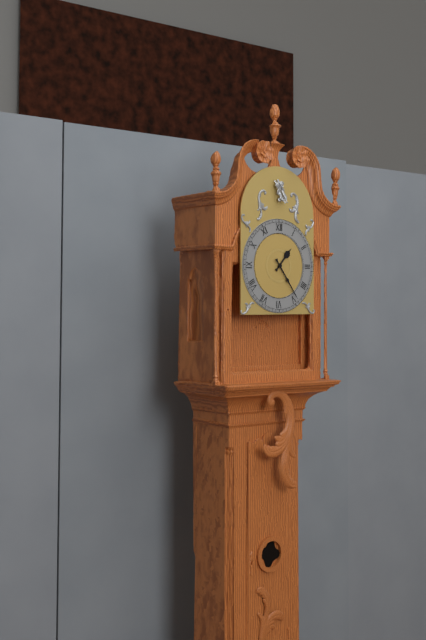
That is 1,24
